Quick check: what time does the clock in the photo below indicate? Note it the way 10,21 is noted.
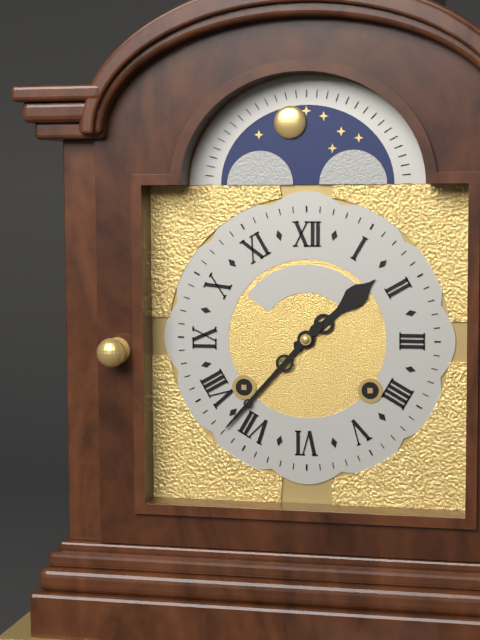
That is 1,37
